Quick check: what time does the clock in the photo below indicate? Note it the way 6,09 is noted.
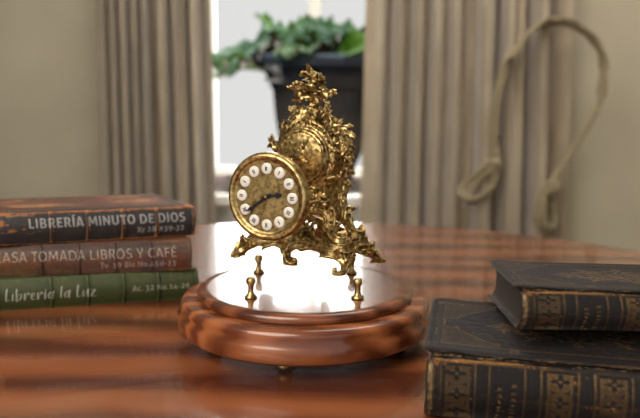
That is 2,39
